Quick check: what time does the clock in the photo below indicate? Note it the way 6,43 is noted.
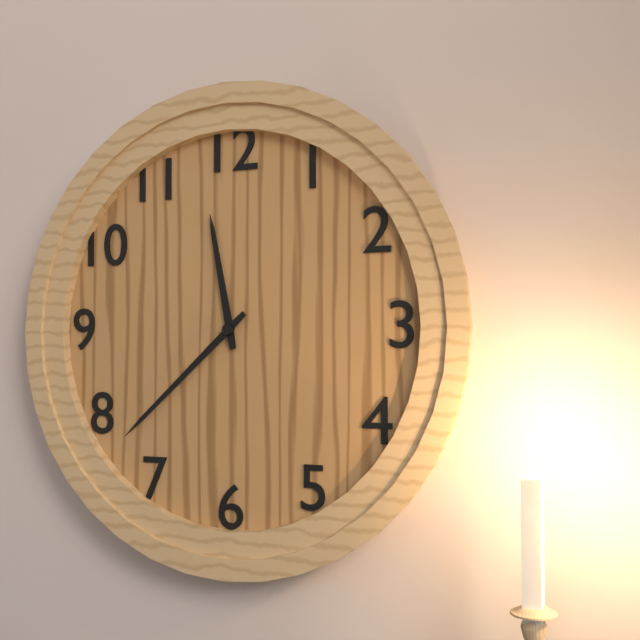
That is 11,38
